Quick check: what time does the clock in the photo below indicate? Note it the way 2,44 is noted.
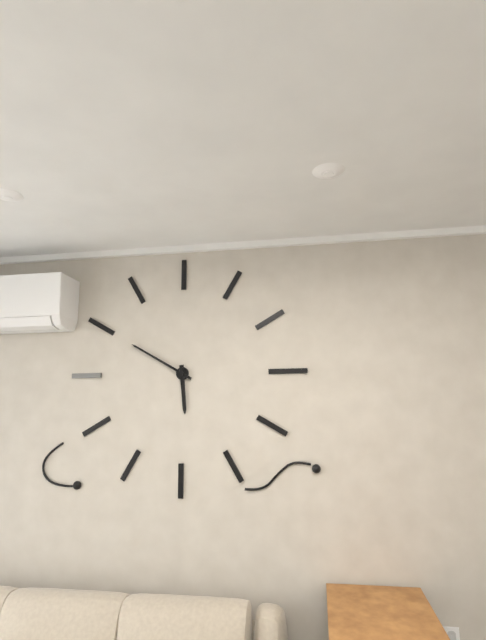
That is 5,50
